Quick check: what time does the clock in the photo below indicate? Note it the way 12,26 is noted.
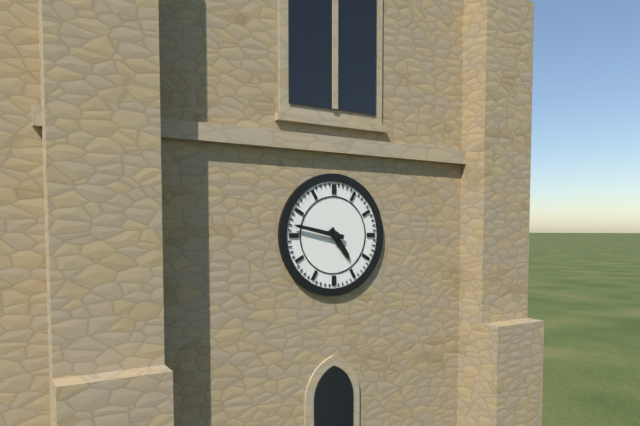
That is 4,47
